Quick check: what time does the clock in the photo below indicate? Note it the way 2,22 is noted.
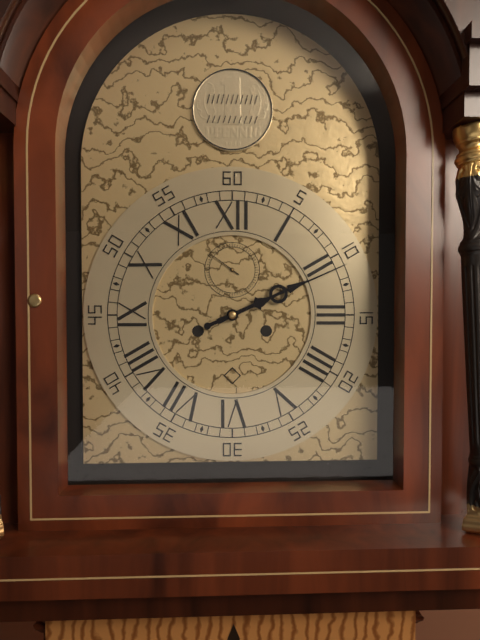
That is 2,11
